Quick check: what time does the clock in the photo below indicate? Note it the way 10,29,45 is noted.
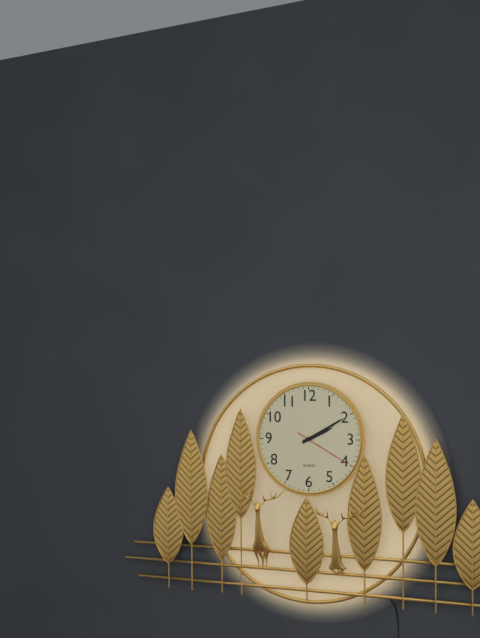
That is 2,10,20
